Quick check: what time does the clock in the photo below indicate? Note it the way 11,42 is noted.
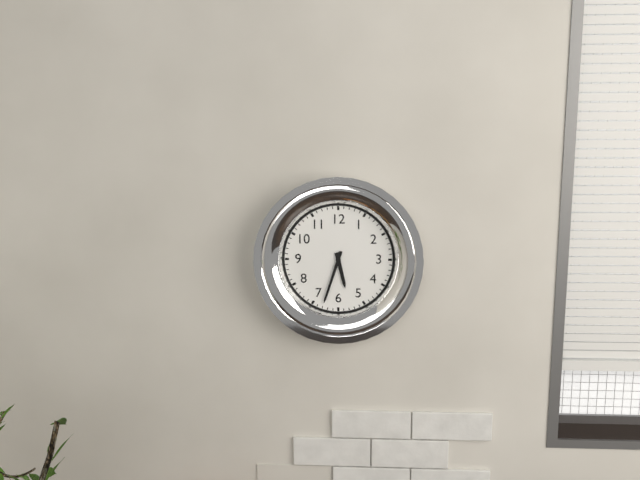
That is 5,33
